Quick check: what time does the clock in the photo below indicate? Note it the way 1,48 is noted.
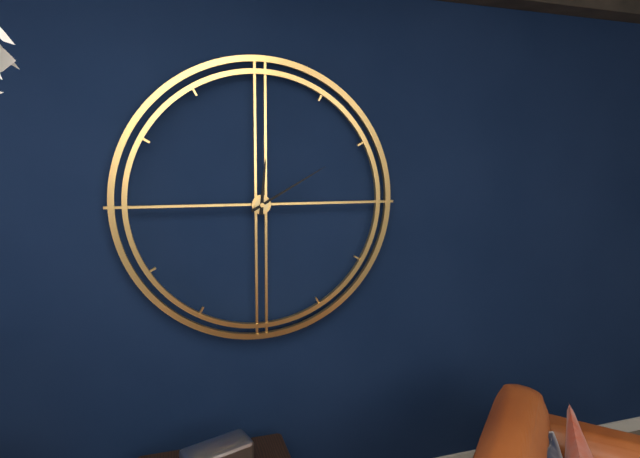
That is 12,10
